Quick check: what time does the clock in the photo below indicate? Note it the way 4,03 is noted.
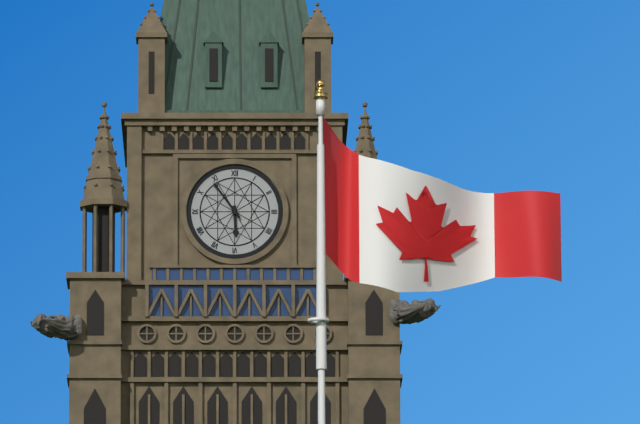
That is 5,54
